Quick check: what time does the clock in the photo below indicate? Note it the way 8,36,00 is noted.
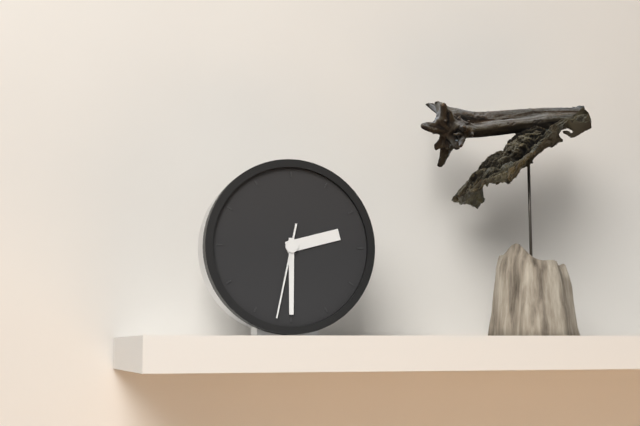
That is 2,30,32
